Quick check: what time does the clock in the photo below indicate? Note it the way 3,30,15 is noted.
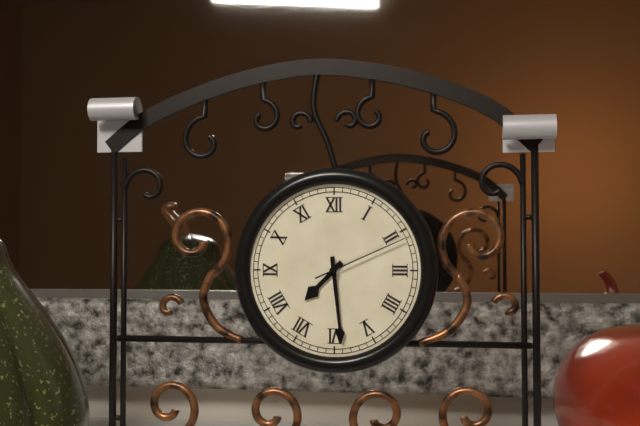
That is 7,29,11
